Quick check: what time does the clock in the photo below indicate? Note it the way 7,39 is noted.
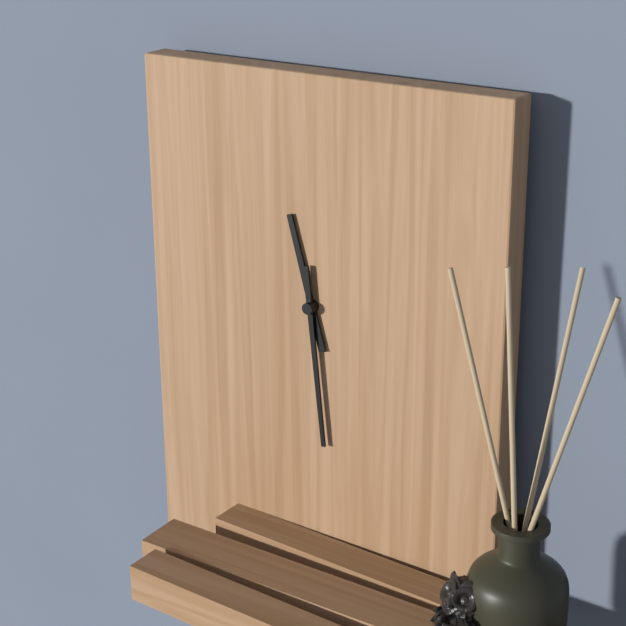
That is 11,29
